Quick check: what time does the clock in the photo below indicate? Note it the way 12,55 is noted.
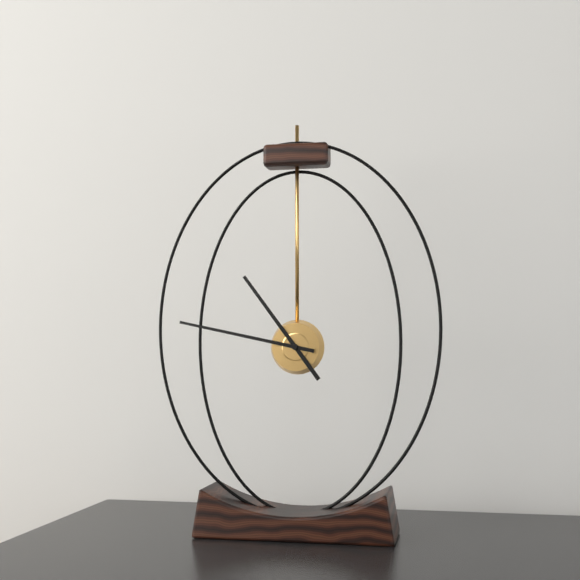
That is 10,47
